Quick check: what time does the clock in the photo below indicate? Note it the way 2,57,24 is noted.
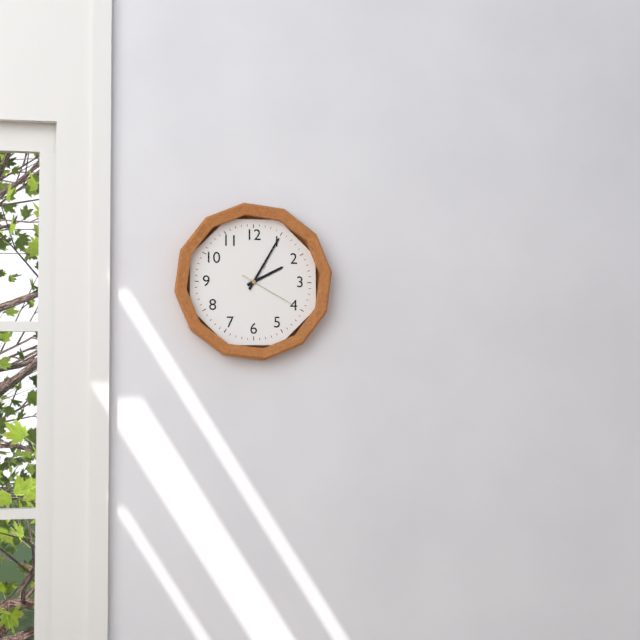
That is 2,05,20
